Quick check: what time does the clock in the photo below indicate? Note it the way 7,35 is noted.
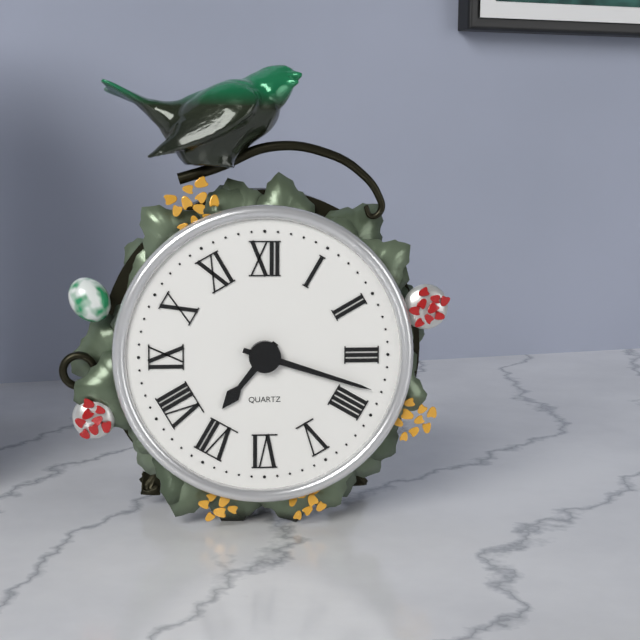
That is 7,18
